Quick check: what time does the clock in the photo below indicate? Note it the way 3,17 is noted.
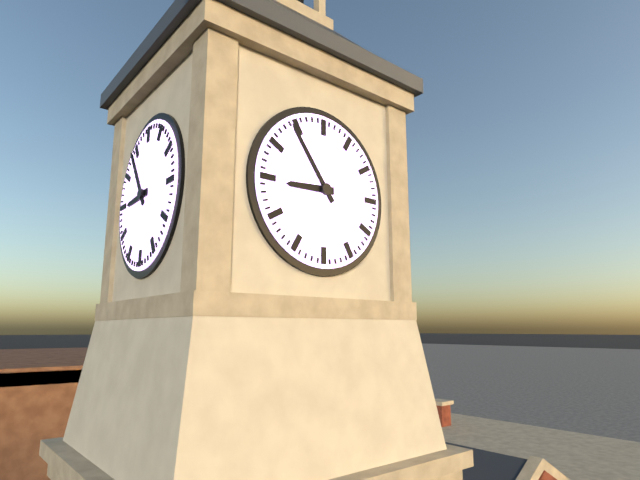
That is 8,54
